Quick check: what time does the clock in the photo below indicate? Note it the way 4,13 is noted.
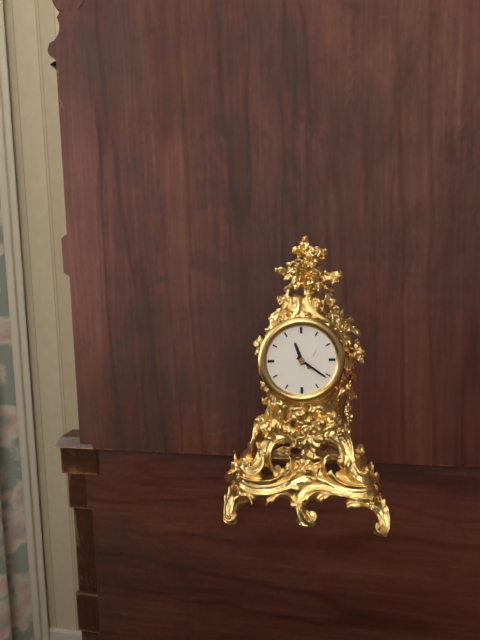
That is 11,21
